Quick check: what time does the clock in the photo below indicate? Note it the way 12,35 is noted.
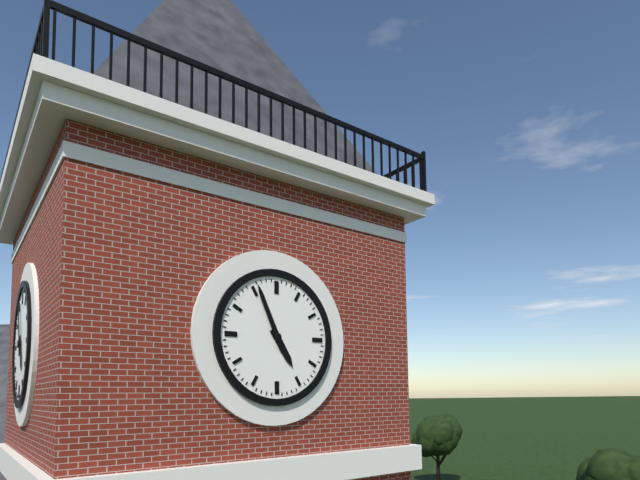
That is 4,56
